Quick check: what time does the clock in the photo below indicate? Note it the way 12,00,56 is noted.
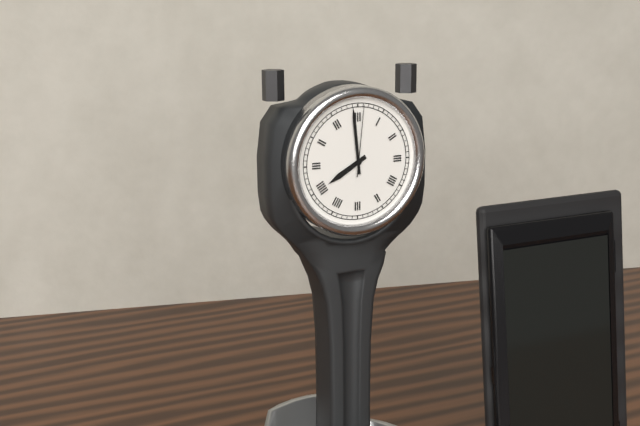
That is 7,59,01
